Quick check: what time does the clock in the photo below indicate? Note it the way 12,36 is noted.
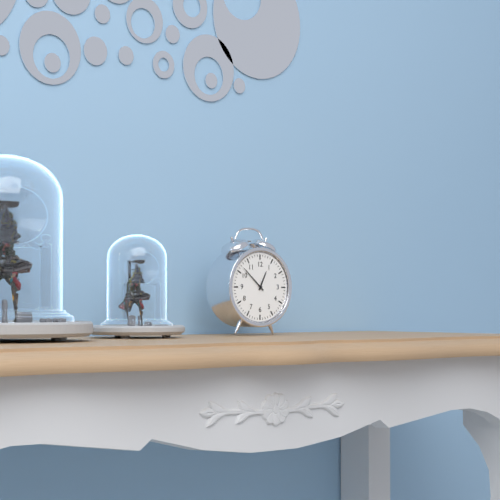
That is 12,52
